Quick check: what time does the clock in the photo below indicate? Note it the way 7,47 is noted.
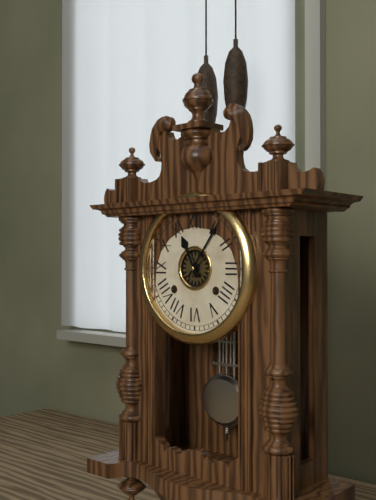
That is 11,06
